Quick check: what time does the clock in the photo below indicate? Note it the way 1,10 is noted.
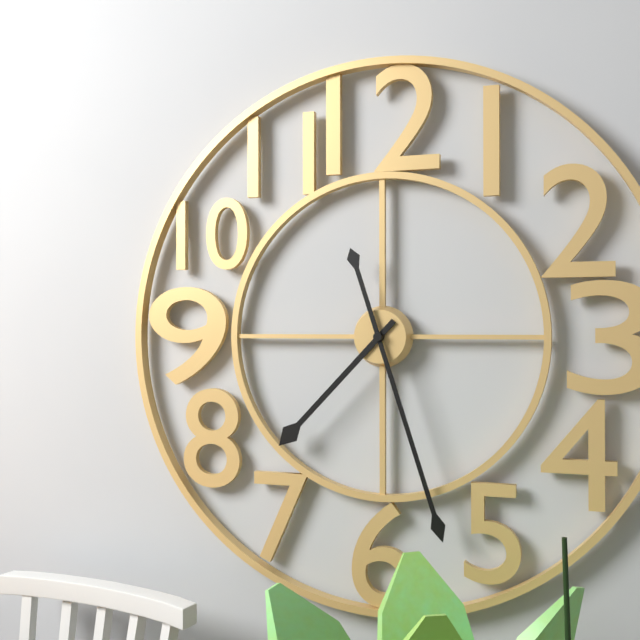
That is 7,27
